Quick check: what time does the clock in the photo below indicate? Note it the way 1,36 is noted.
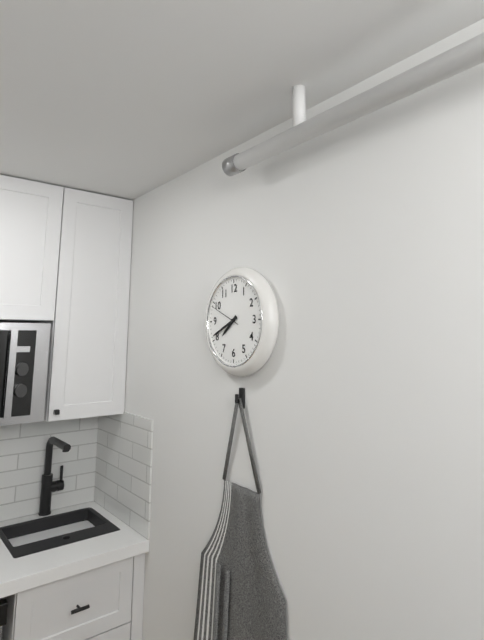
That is 7,41
